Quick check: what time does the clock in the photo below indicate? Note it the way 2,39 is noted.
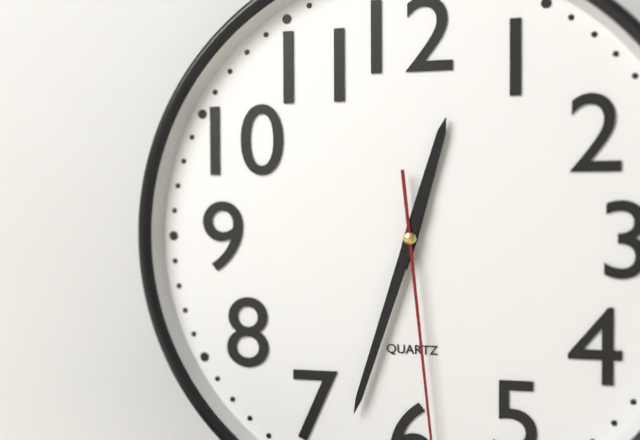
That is 12,33
